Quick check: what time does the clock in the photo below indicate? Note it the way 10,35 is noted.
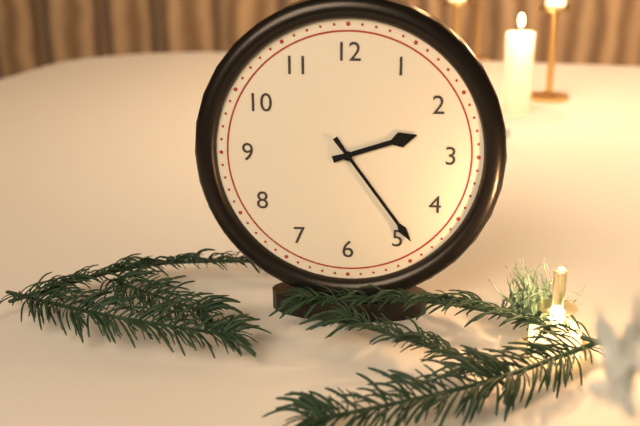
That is 2,24
